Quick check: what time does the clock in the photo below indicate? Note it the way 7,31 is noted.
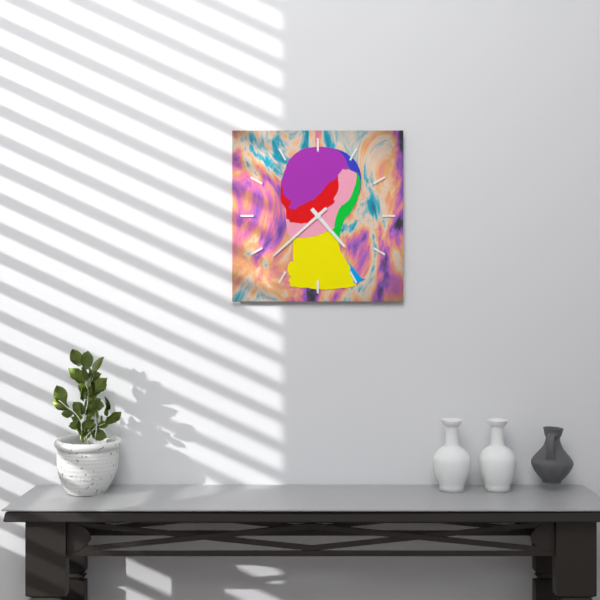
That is 4,38
